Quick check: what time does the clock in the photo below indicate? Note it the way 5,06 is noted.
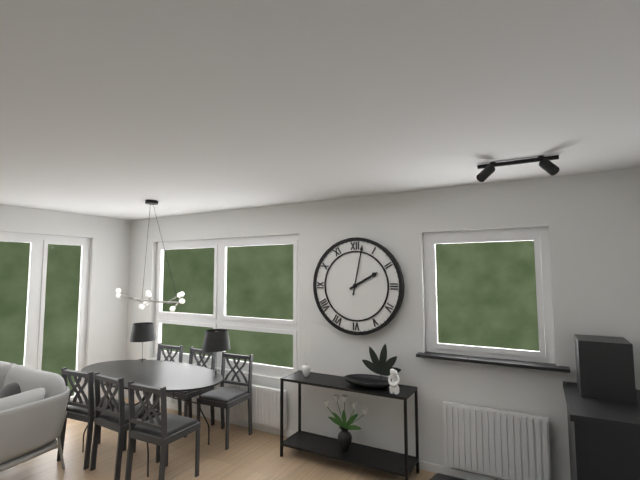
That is 2,02
